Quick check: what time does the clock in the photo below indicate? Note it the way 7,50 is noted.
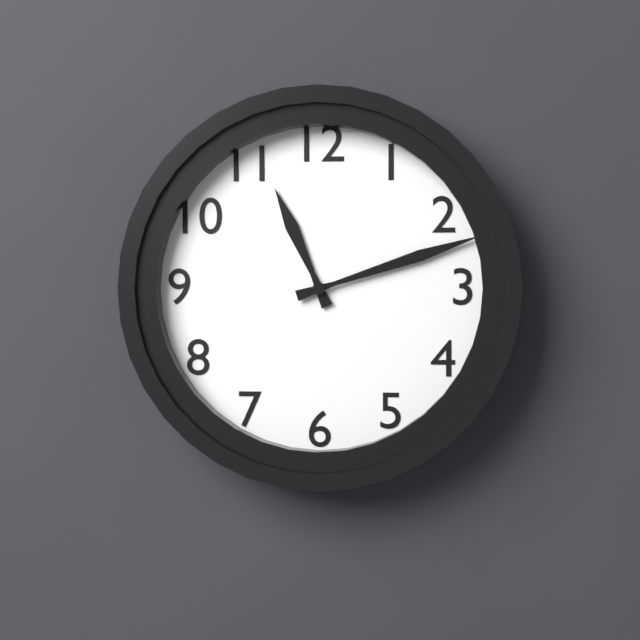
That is 11,12
